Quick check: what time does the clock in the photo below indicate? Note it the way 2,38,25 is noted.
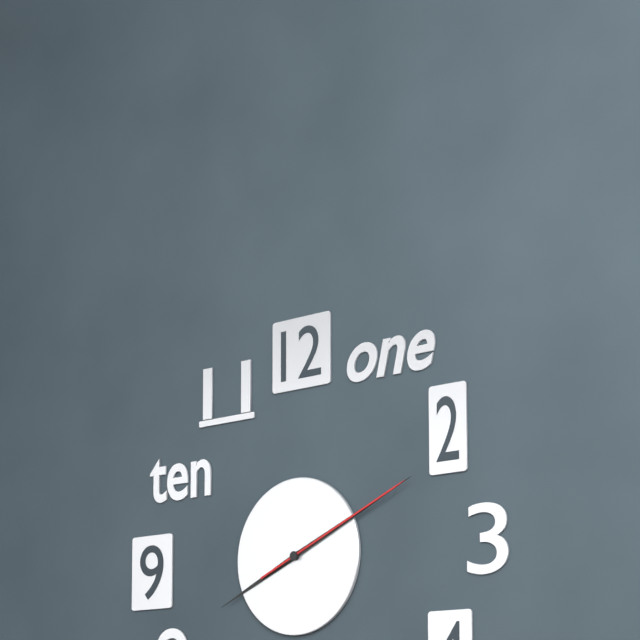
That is 8,11,11
